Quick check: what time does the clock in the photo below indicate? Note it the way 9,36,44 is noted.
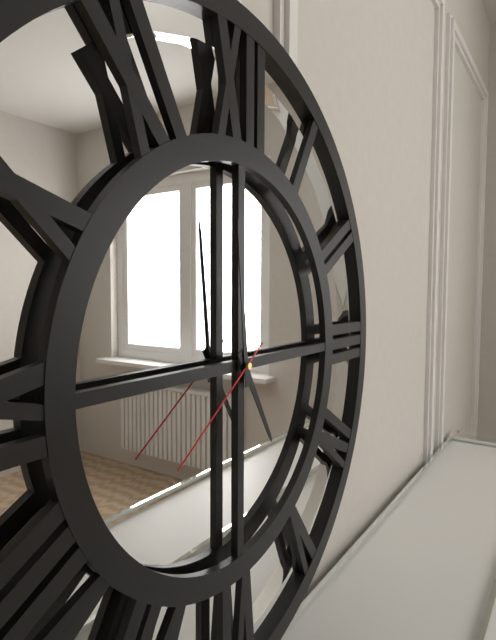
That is 4,59,39
